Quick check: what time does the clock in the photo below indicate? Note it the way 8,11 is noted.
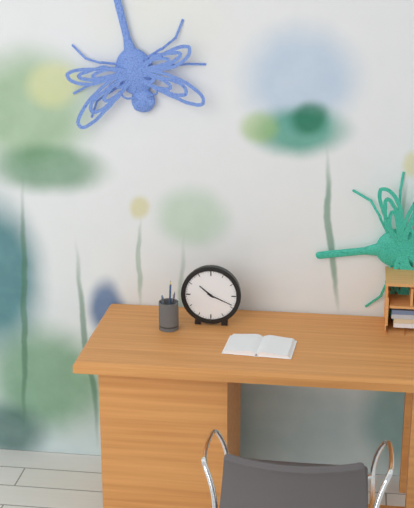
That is 10,19
